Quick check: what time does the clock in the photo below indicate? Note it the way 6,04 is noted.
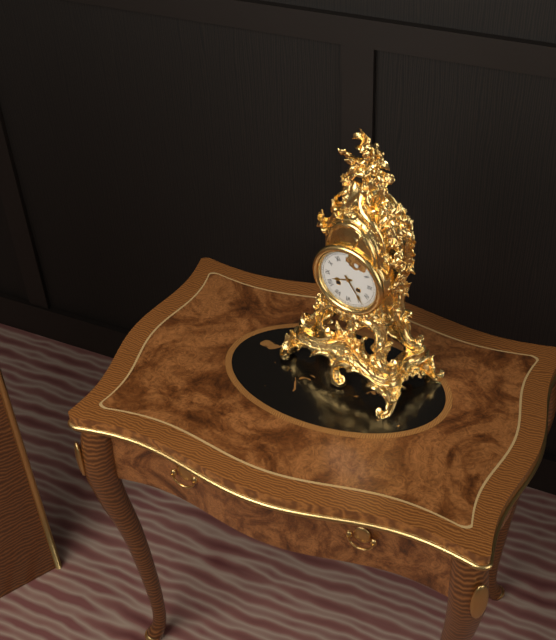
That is 8,24
